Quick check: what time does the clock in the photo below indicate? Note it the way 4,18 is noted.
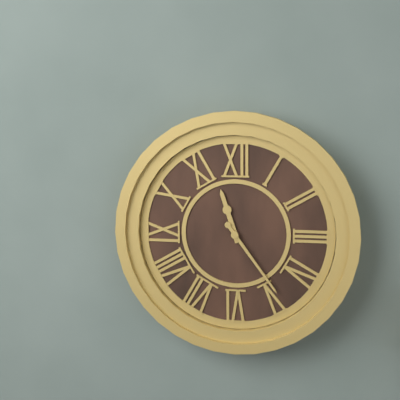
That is 11,24
